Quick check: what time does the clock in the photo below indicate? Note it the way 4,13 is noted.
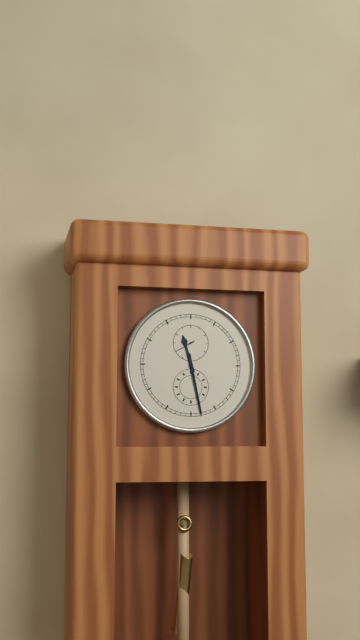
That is 11,28
